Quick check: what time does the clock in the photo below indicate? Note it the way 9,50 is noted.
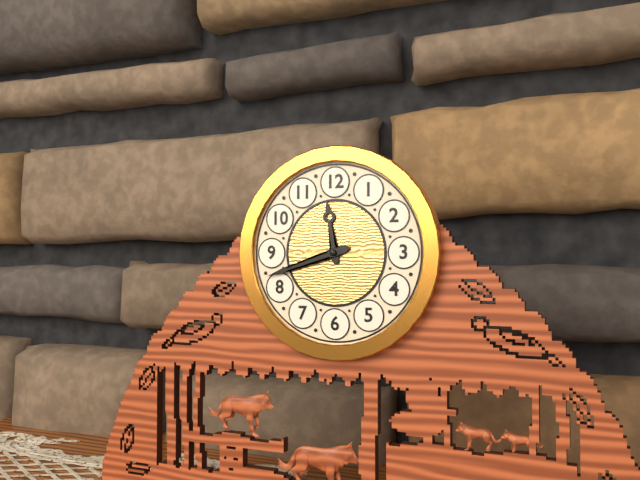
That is 11,42
